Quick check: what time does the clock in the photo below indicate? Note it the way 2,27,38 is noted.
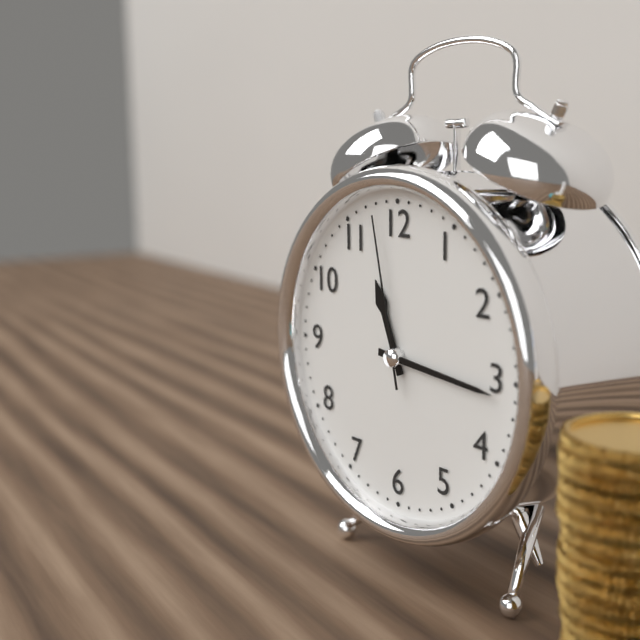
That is 11,16,58
